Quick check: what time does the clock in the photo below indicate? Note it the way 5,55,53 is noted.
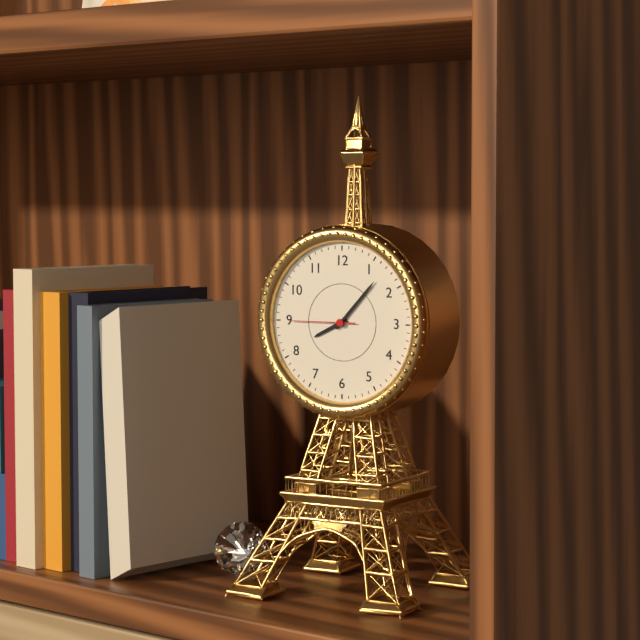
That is 8,07,45
